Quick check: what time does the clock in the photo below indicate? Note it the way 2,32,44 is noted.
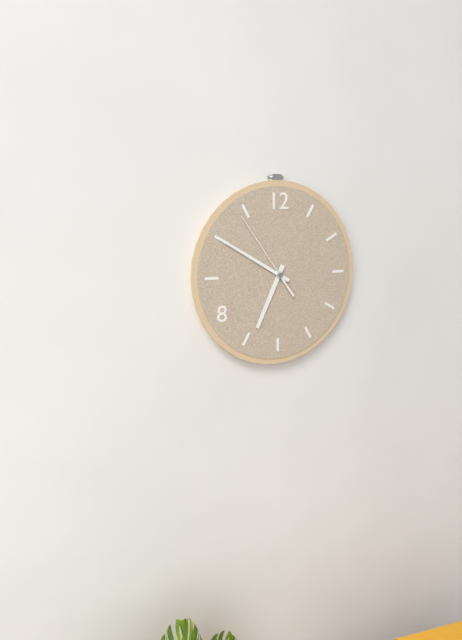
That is 6,50,54
